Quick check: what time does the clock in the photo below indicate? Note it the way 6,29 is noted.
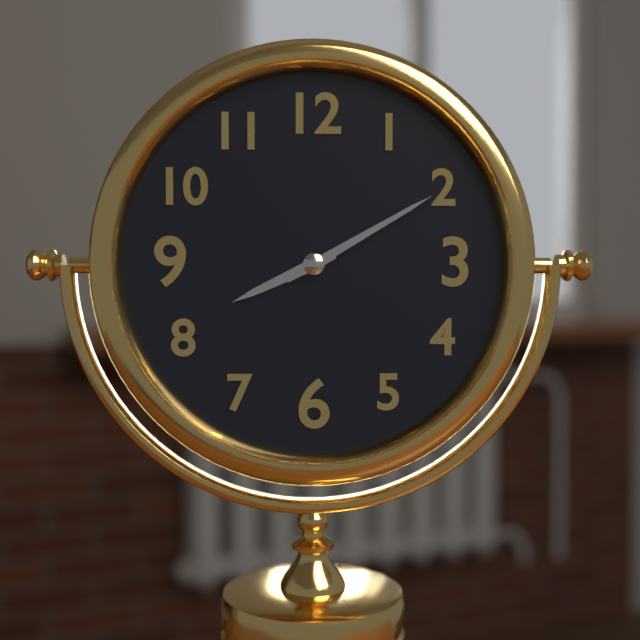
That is 8,10
